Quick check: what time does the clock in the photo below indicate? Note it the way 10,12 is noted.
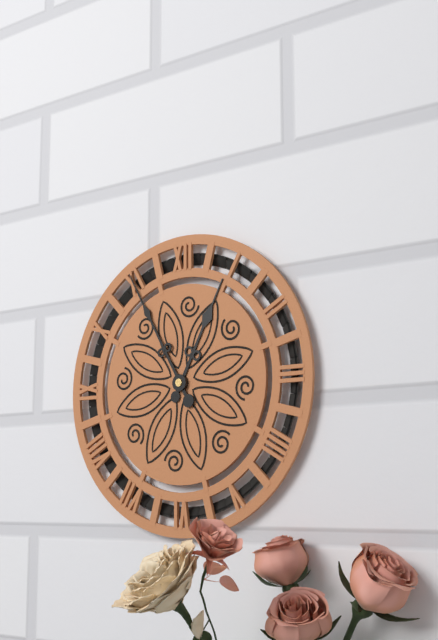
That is 12,55
